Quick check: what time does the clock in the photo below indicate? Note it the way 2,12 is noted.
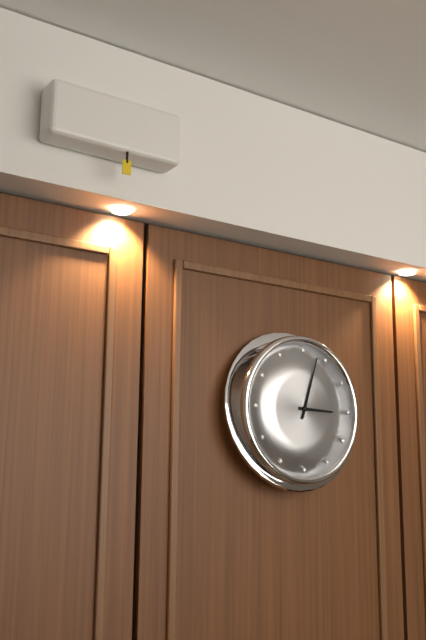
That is 3,03
